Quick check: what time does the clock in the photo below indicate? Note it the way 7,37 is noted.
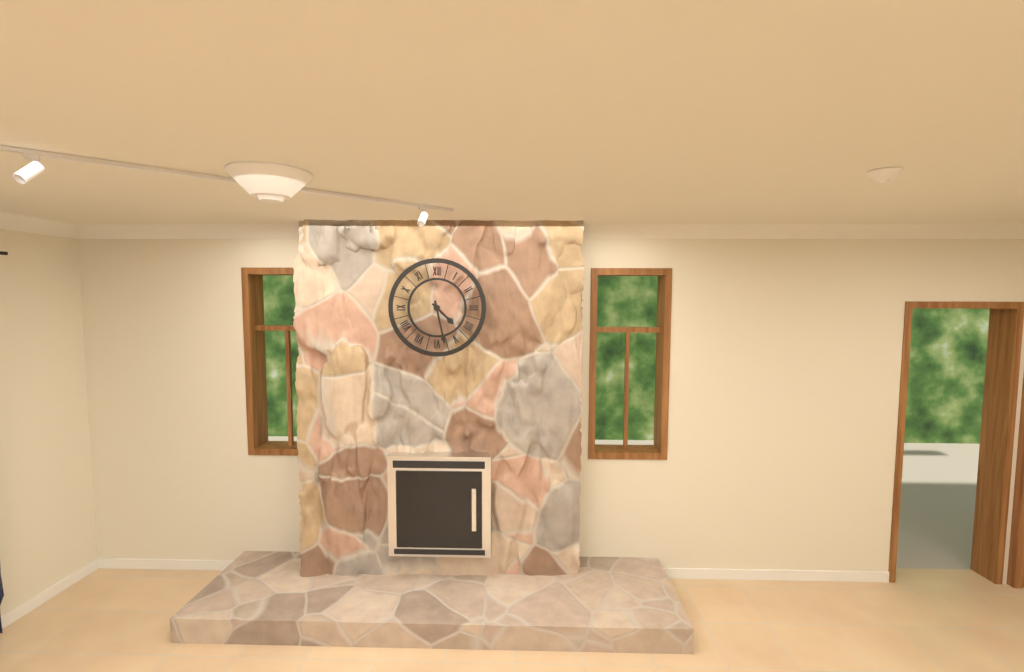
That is 4,28
